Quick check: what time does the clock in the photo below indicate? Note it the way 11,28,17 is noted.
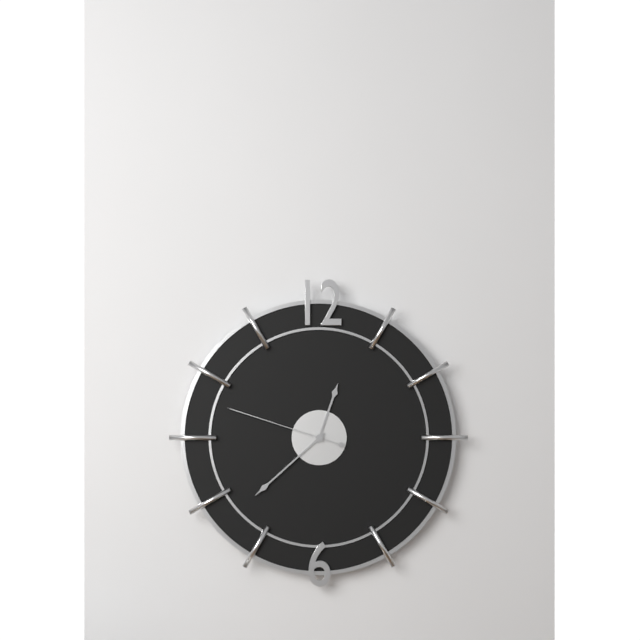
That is 12,38,48
